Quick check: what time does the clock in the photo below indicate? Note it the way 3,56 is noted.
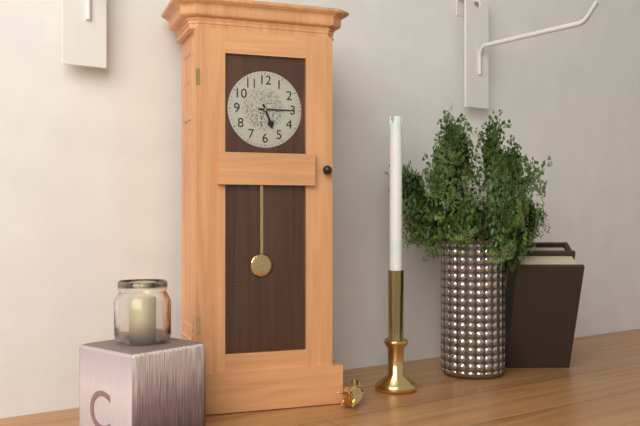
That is 5,15
